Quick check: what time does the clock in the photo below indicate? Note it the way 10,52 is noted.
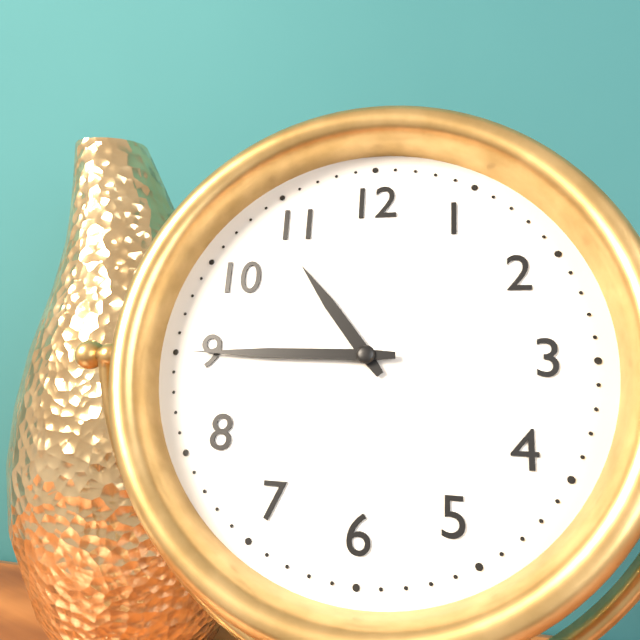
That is 10,45
